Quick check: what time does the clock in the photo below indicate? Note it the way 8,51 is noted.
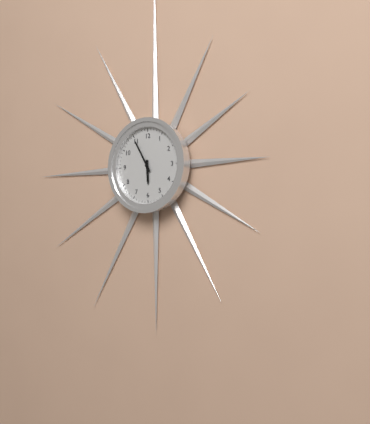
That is 5,55
